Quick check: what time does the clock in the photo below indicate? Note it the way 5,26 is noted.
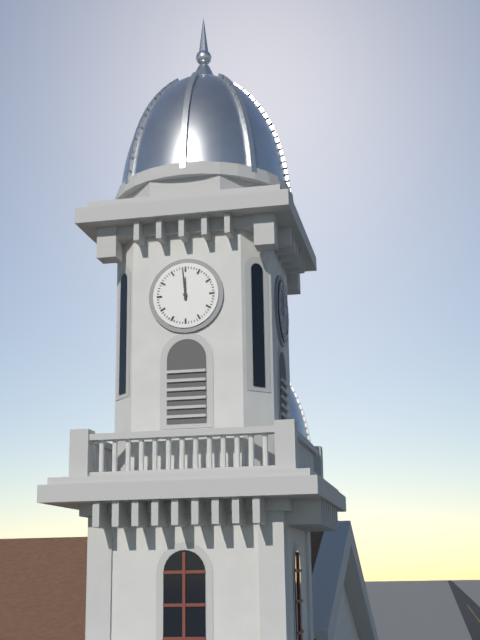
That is 11,59
